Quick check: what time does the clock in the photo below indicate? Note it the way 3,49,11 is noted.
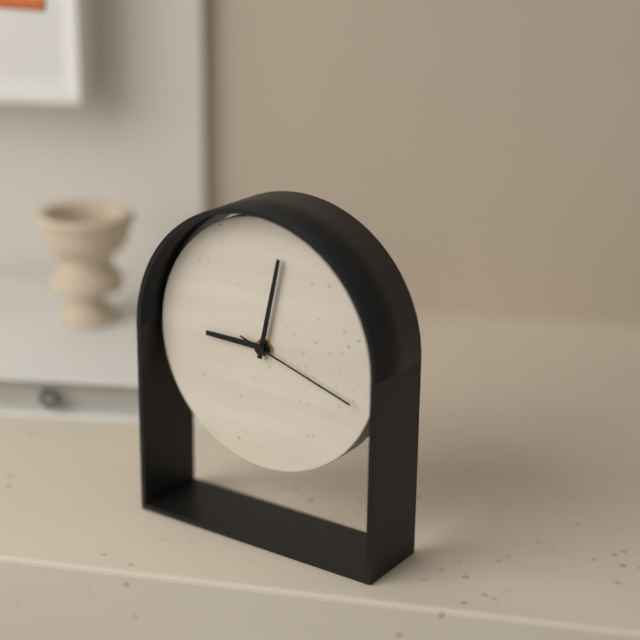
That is 9,02,18
